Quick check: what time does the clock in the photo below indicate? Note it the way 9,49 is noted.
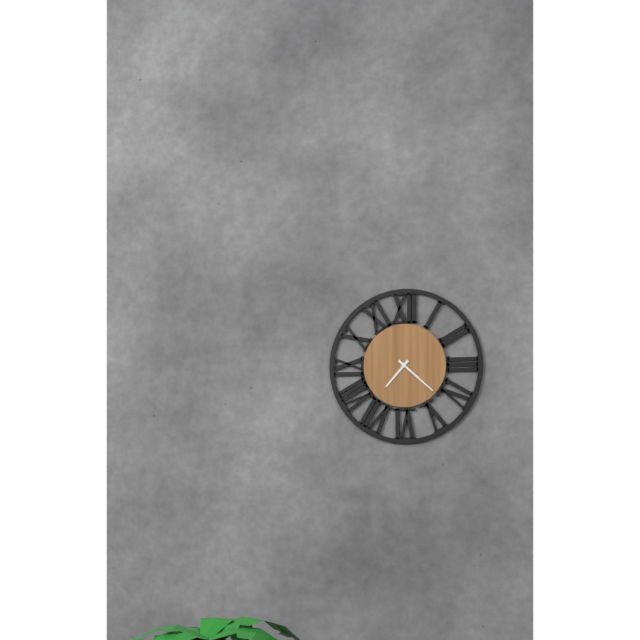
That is 7,22
